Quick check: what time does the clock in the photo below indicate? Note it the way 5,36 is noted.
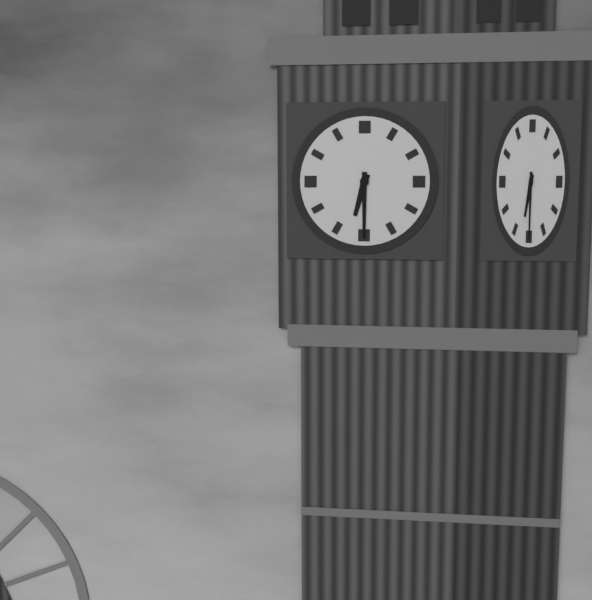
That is 6,30
